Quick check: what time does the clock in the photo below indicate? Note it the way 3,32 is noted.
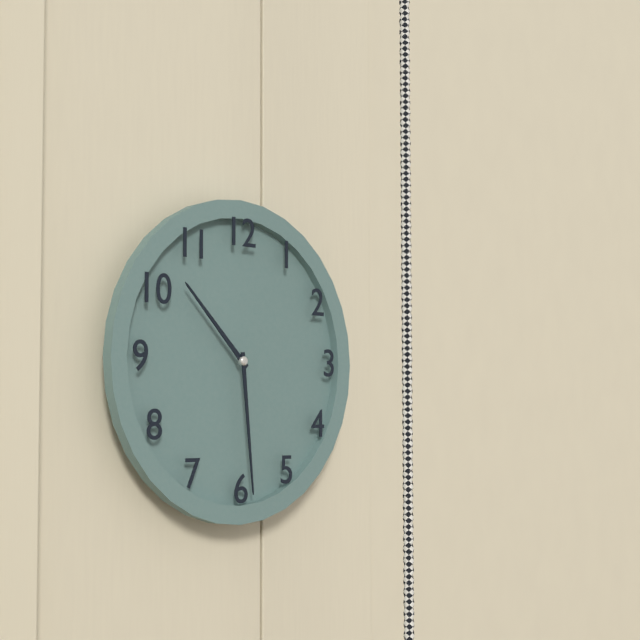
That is 10,29
